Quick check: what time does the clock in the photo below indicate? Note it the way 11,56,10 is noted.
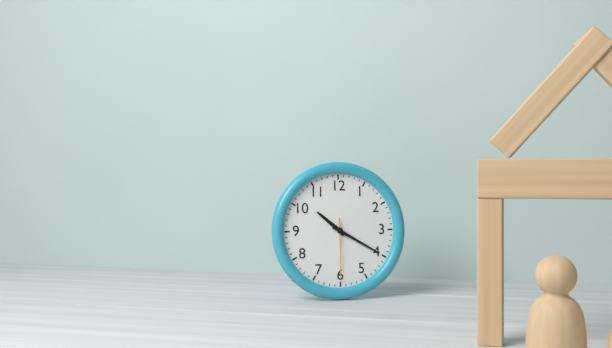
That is 10,20,30
